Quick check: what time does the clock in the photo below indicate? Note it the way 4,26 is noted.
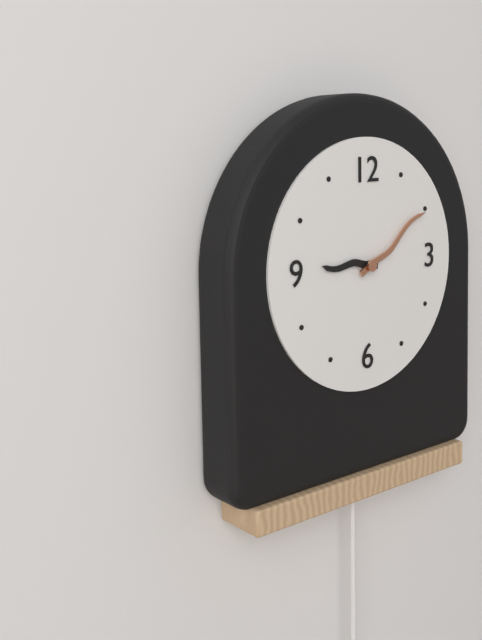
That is 9,10
